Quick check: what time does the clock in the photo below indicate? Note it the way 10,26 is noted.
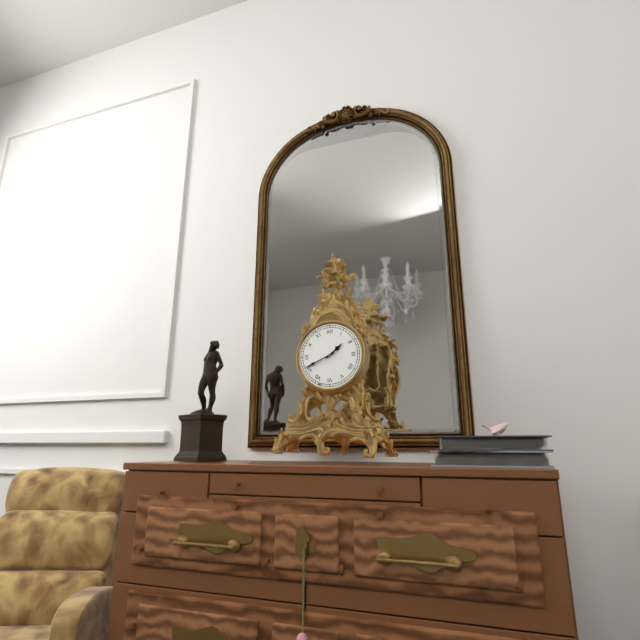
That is 1,41
